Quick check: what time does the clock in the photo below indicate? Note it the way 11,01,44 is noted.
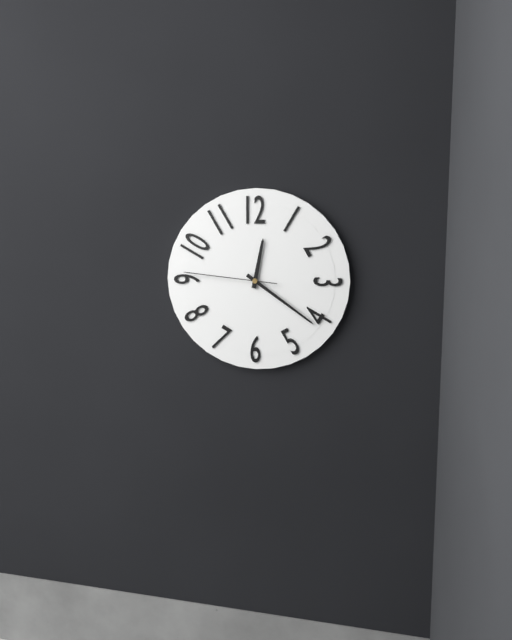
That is 12,21,46
